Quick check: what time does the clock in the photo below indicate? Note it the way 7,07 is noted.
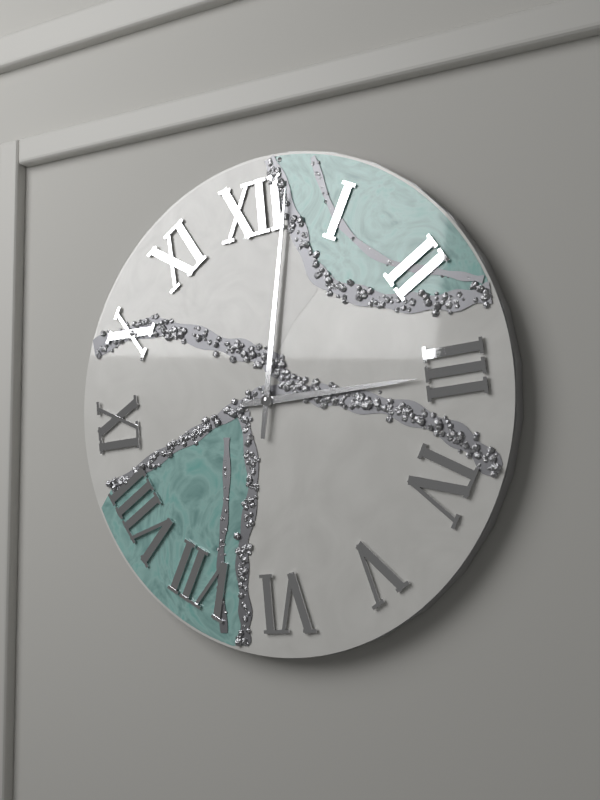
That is 3,02
